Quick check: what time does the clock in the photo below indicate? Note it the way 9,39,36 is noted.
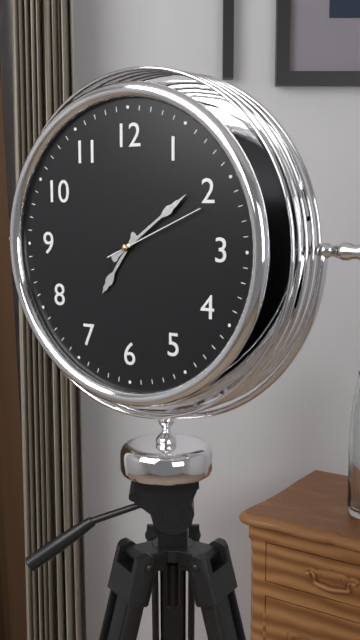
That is 7,09,11
